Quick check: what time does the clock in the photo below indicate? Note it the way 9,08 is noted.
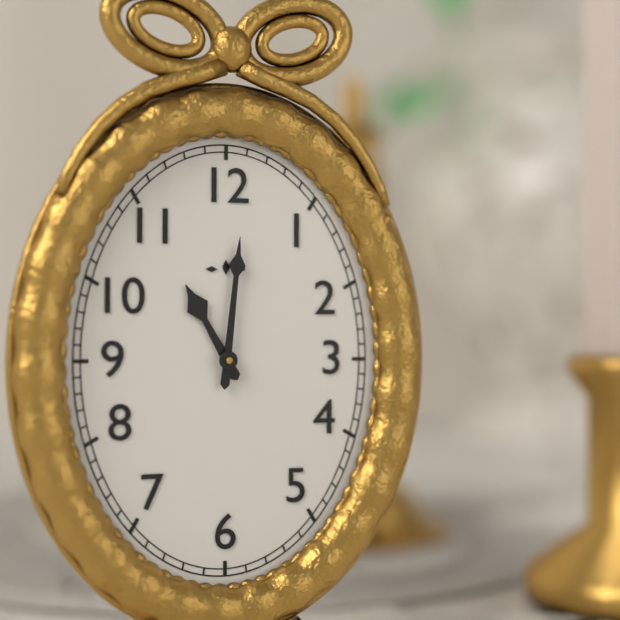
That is 11,01
